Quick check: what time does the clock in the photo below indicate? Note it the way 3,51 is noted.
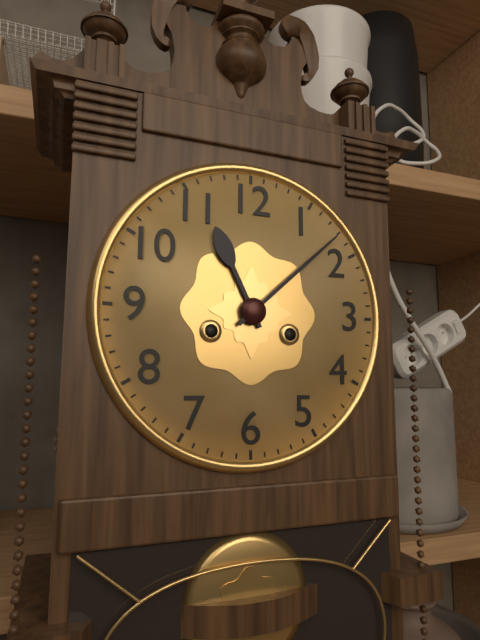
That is 11,08
